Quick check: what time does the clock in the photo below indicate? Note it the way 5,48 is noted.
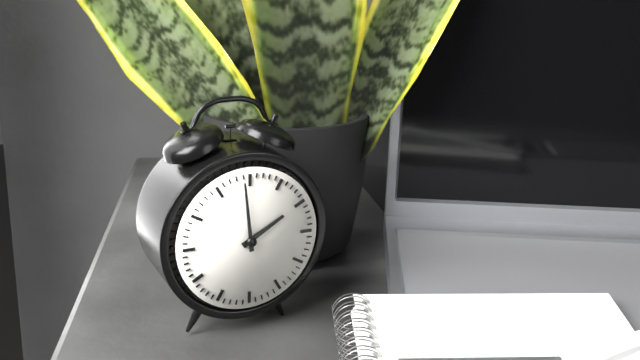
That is 1,59
